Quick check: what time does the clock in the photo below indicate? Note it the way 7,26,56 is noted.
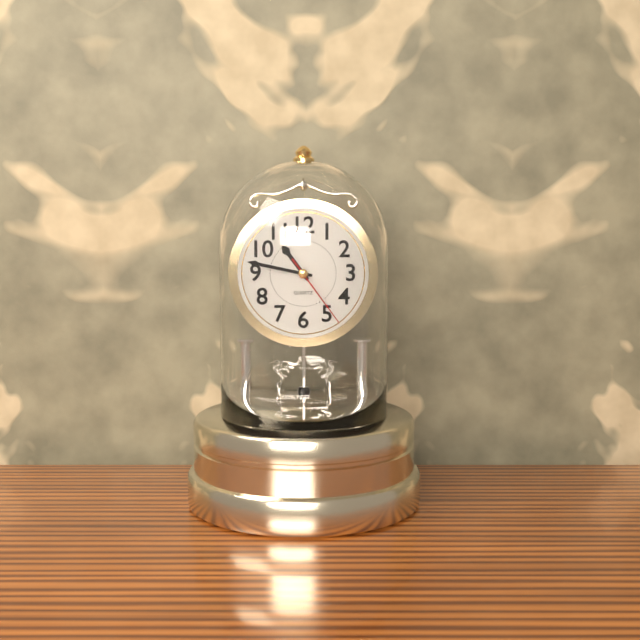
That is 10,47,24
